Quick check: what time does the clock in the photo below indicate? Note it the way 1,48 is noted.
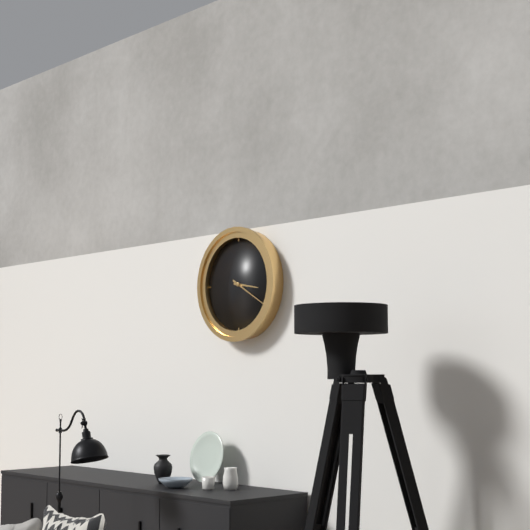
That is 3,20
